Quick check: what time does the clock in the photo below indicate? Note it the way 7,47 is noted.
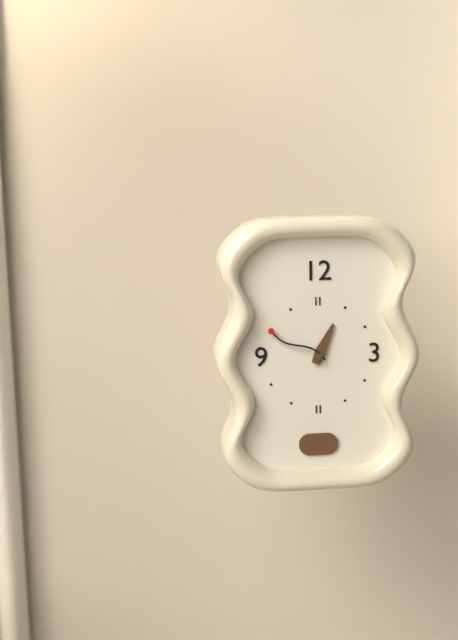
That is 12,50
